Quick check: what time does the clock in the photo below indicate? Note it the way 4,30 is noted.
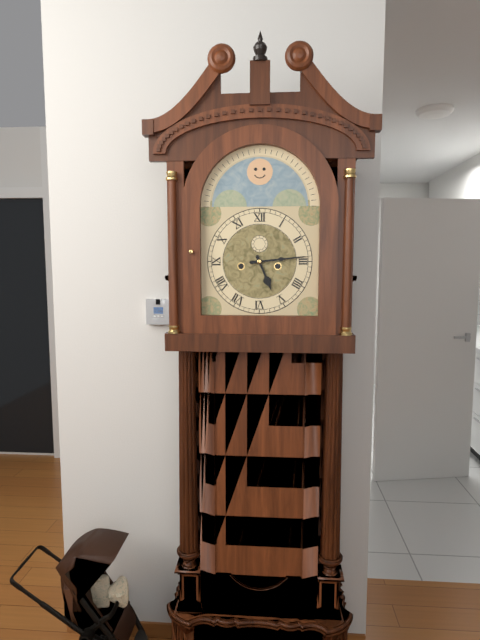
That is 5,14
